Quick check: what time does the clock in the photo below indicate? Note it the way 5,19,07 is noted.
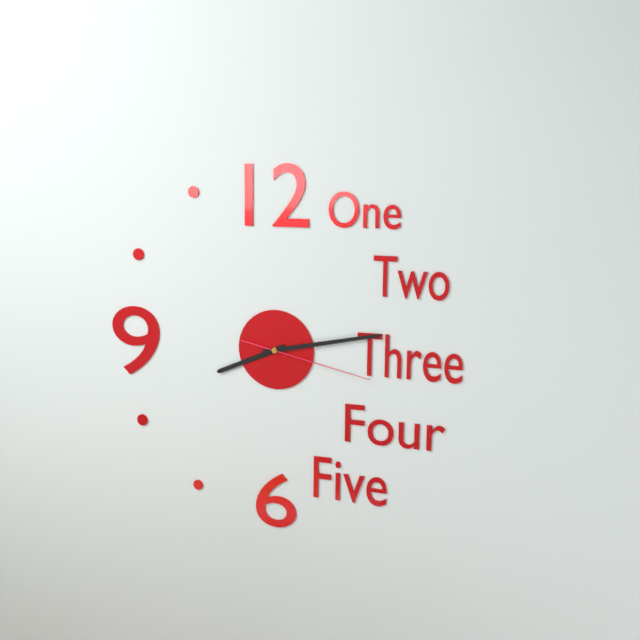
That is 8,13,17
